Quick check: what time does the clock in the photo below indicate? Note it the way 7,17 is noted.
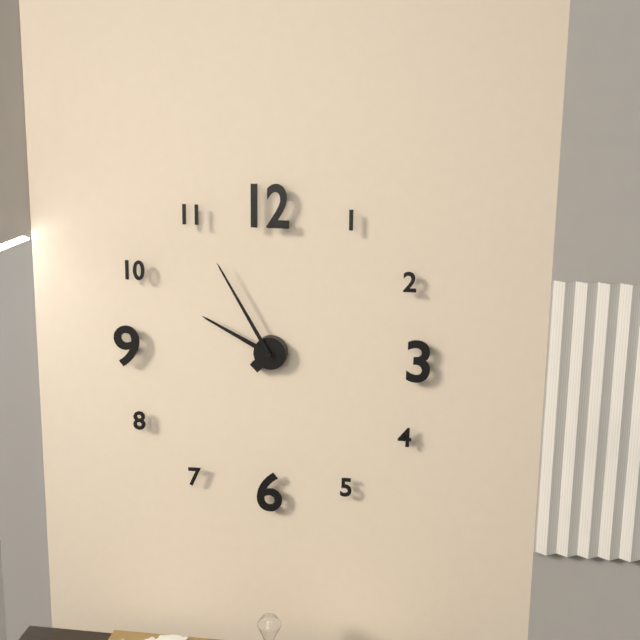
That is 9,55
